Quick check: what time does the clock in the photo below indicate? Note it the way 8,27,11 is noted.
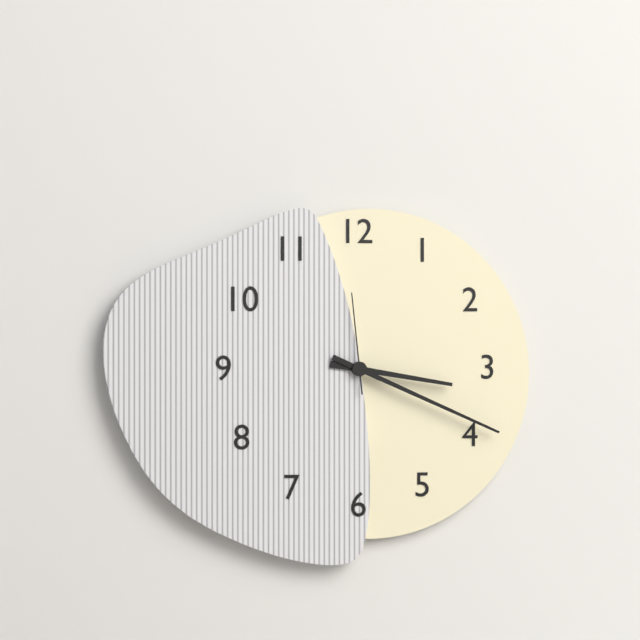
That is 3,19,59
